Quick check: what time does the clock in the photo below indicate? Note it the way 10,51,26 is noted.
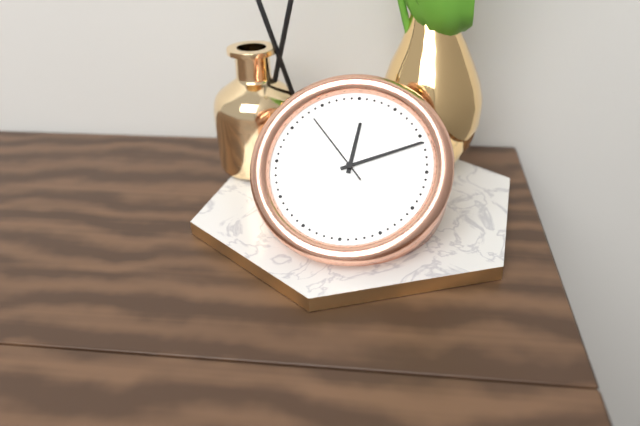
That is 12,11,53
